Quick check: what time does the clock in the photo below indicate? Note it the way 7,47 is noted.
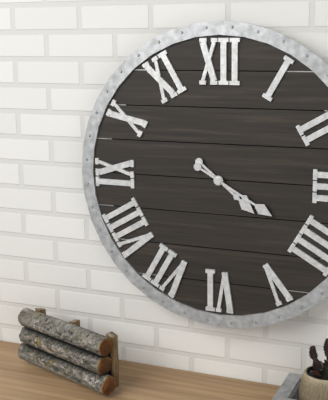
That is 4,20
